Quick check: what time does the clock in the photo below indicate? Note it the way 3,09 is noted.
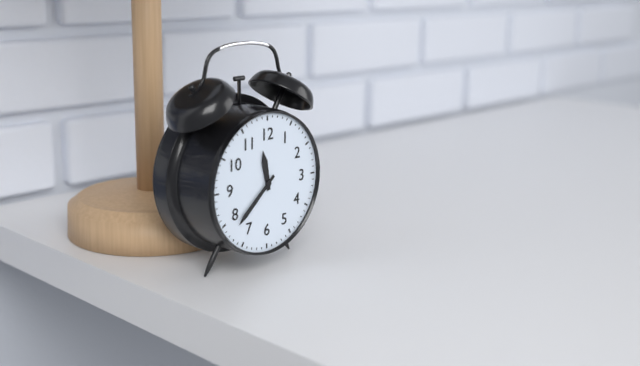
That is 11,38
